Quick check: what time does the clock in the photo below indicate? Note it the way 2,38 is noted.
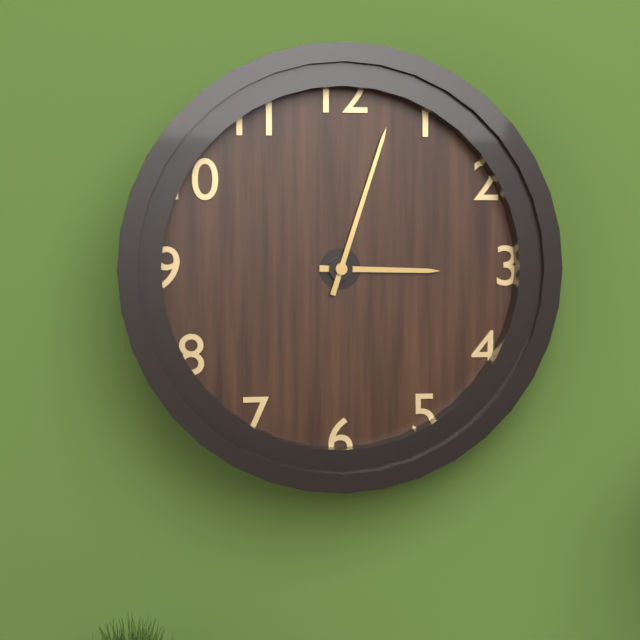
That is 3,03
